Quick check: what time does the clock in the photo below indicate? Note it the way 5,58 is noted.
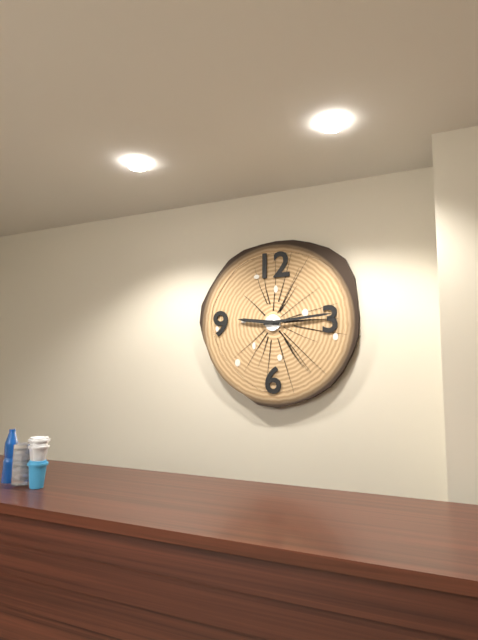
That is 9,14
